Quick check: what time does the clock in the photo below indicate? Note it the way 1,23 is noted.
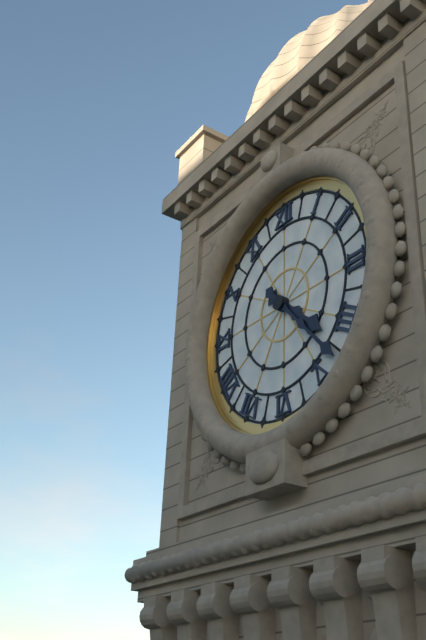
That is 4,23
